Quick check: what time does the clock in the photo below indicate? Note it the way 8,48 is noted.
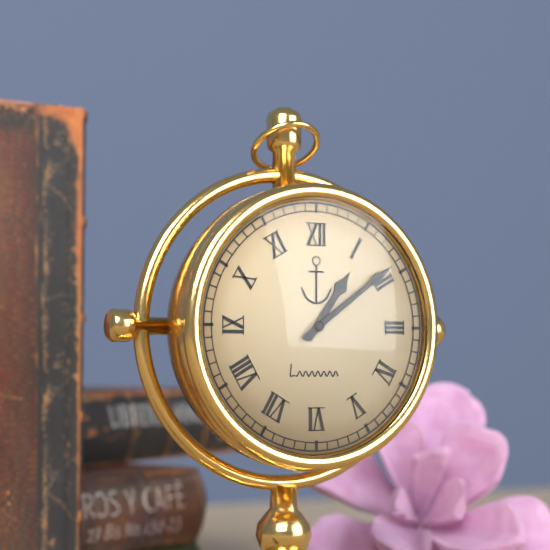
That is 1,09
